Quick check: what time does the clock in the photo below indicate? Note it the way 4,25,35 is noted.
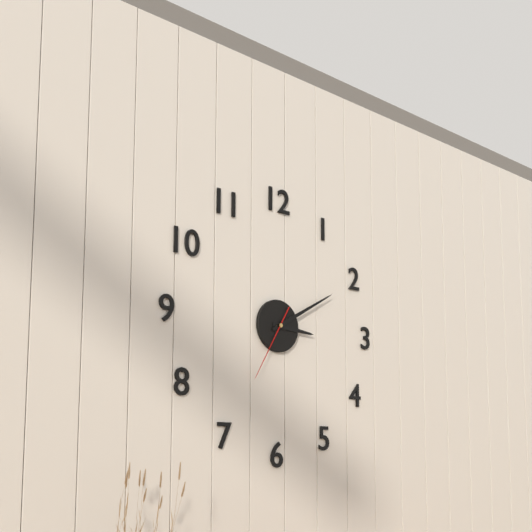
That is 3,10,35
